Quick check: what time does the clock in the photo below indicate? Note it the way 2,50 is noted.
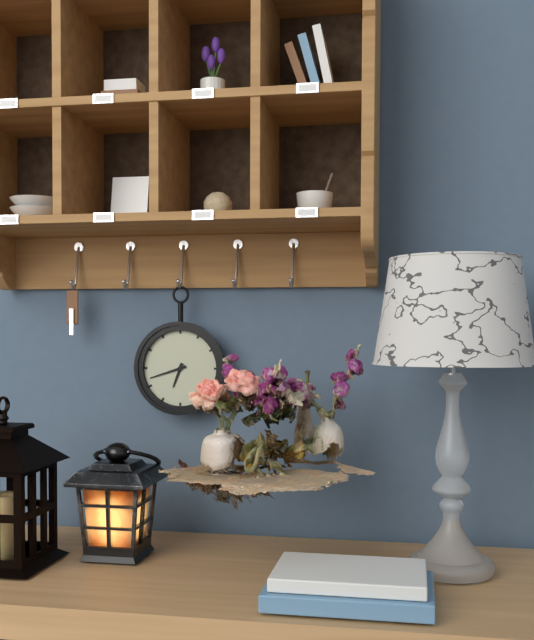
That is 6,42
